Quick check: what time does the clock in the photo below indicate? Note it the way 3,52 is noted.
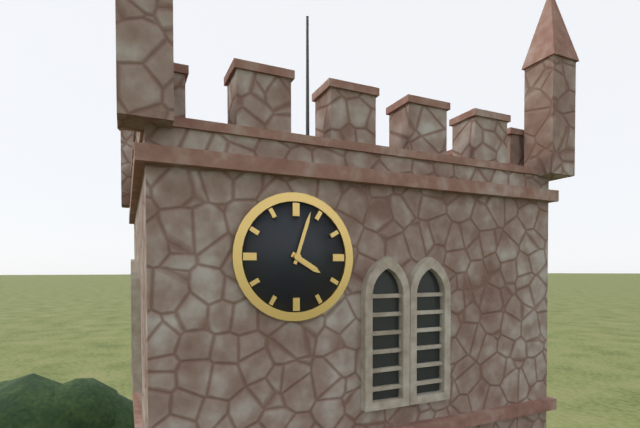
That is 4,03
